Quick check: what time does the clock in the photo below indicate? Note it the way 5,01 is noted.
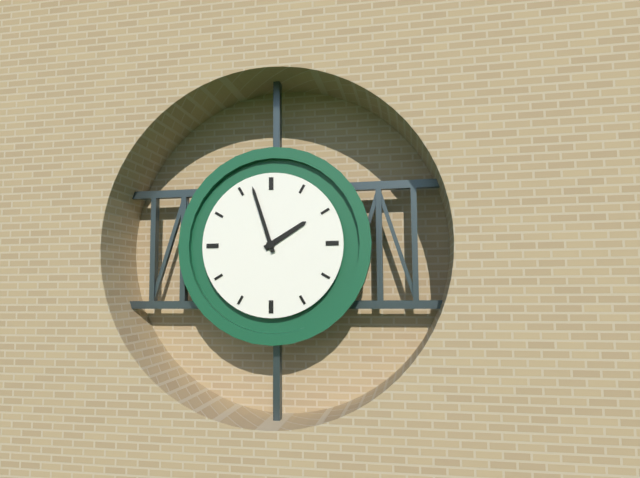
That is 1,57
